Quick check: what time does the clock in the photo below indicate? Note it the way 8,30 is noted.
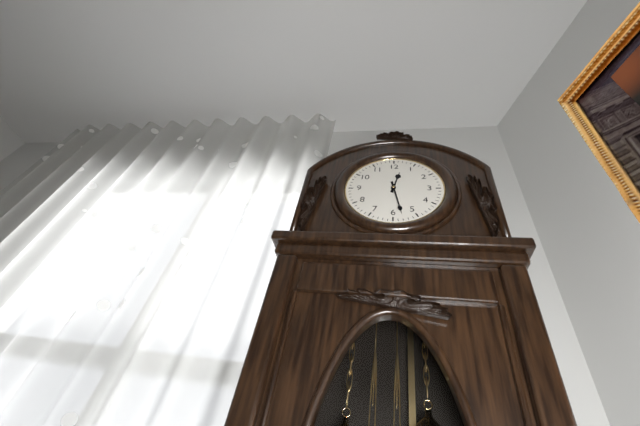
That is 12,28
